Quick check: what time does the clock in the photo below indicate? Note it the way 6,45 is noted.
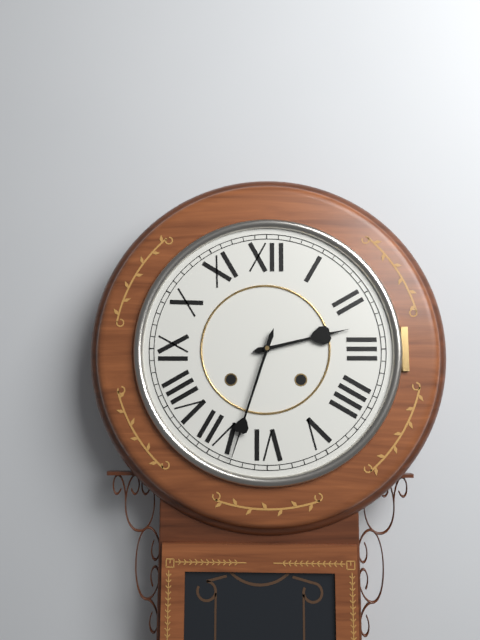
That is 2,33
